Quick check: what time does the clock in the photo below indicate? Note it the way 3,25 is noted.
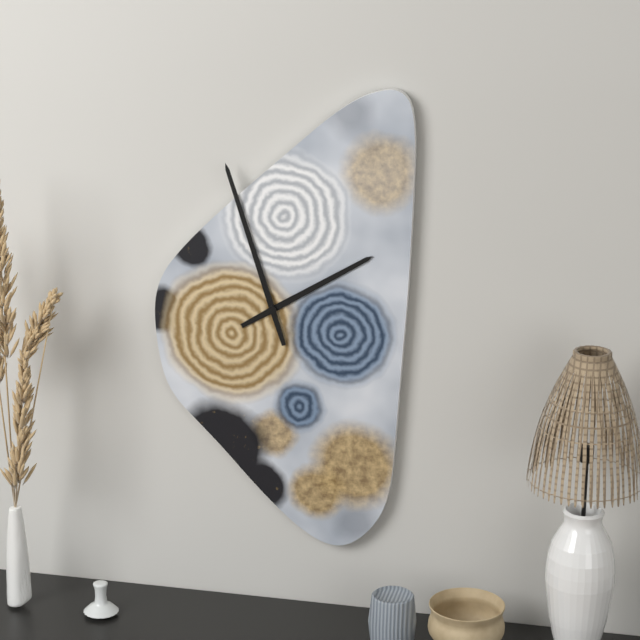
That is 1,57
